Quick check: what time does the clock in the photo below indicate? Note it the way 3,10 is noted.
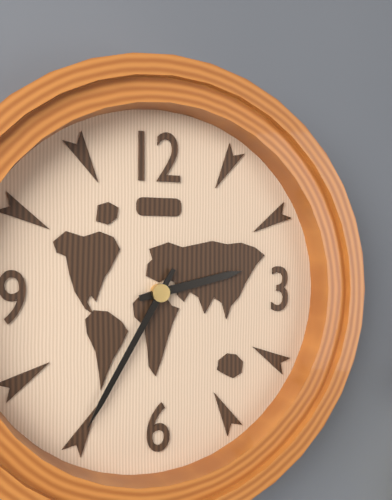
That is 2,35
